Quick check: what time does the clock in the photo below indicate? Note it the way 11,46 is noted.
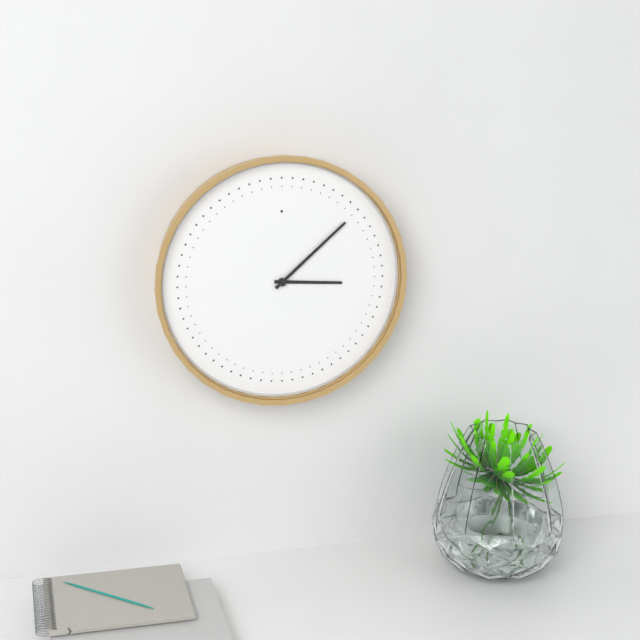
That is 3,08
